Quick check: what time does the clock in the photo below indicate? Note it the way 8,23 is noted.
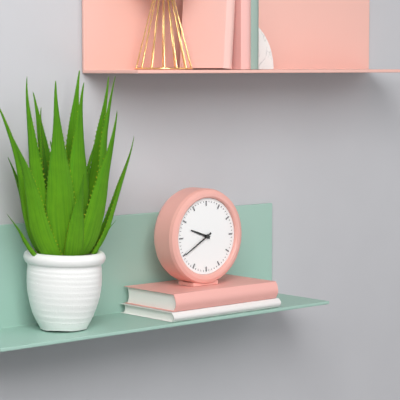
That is 9,40
